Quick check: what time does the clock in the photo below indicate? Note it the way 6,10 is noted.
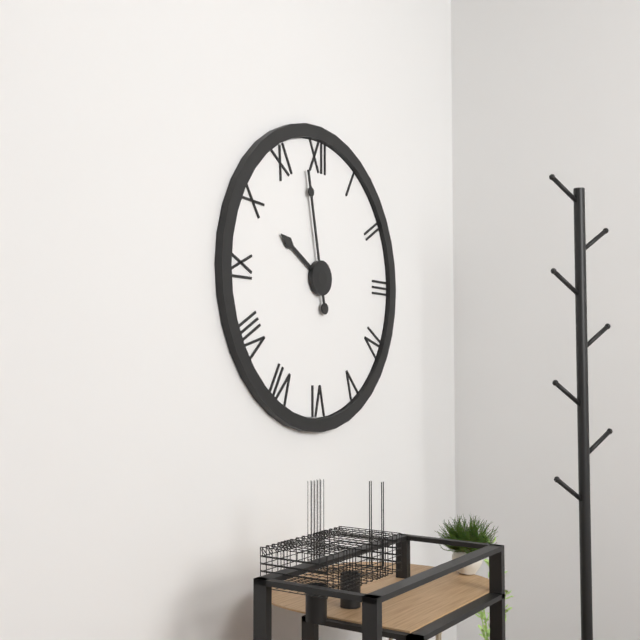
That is 9,58
